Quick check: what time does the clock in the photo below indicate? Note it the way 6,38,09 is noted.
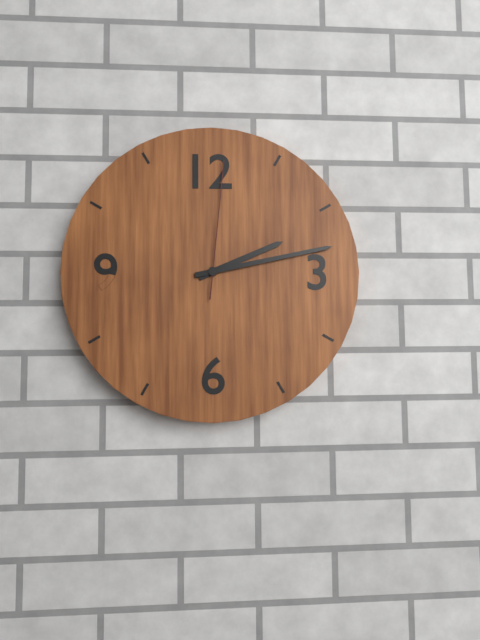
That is 2,13,01
